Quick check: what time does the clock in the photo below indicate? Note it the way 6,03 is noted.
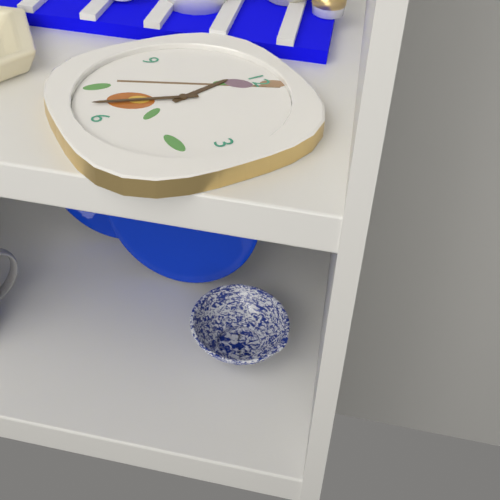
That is 11,33
